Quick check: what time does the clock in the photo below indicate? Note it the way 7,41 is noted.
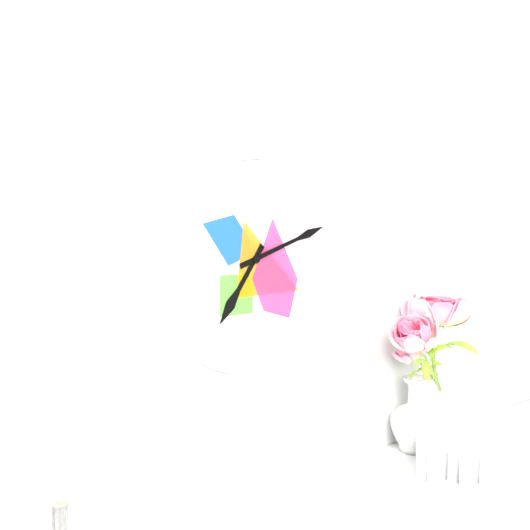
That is 7,12
